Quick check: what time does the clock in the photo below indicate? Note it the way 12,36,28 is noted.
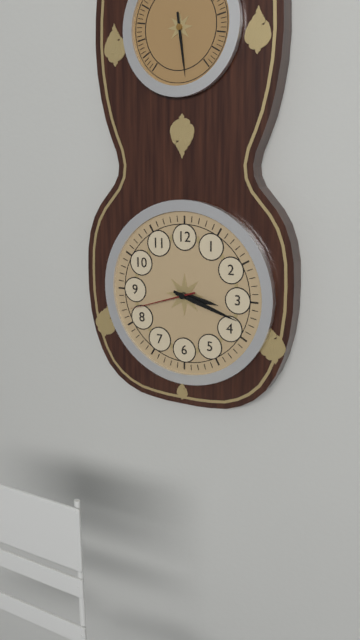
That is 3,18,42
